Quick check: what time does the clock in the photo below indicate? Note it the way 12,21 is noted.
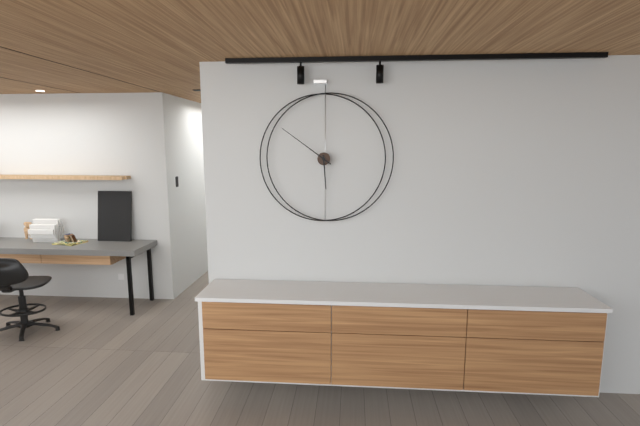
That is 5,51
